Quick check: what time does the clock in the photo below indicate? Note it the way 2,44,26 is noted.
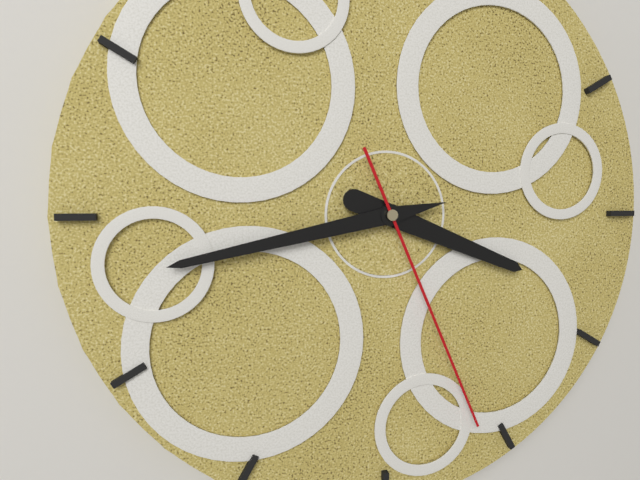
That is 3,43,26
